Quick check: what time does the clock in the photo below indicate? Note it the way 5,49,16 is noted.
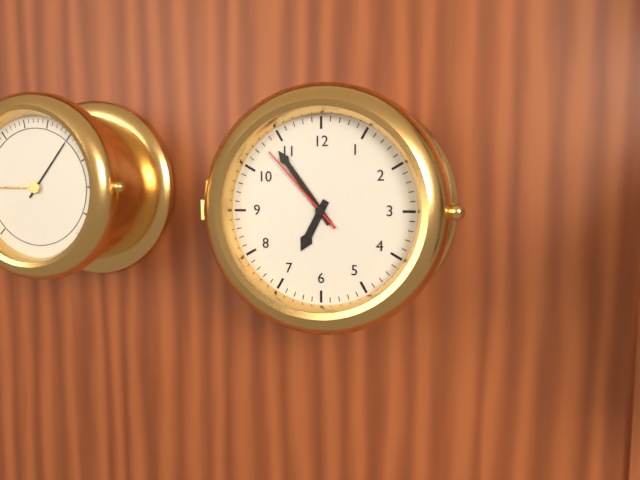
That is 6,54,53
